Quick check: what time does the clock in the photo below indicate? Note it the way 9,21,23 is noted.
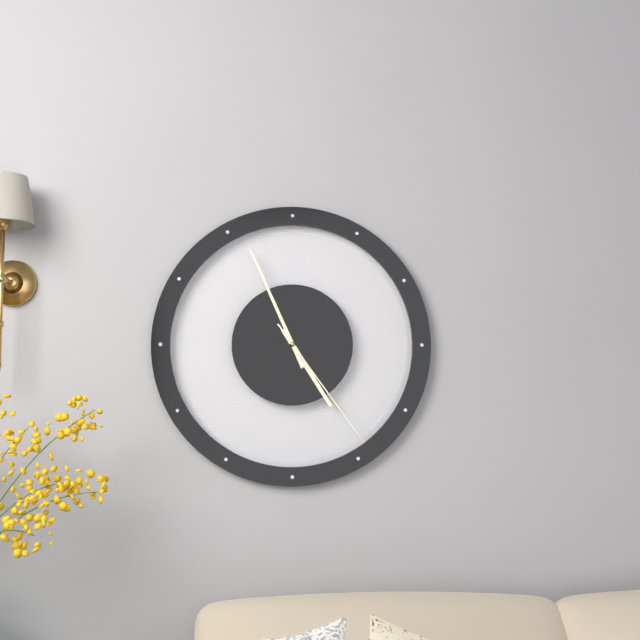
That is 4,56,24
